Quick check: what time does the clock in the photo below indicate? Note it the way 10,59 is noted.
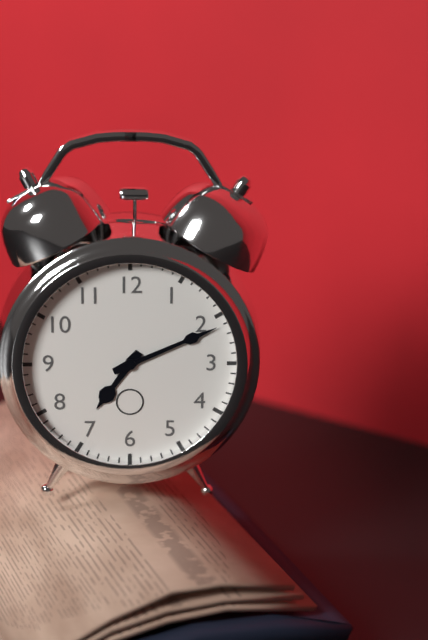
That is 7,11
